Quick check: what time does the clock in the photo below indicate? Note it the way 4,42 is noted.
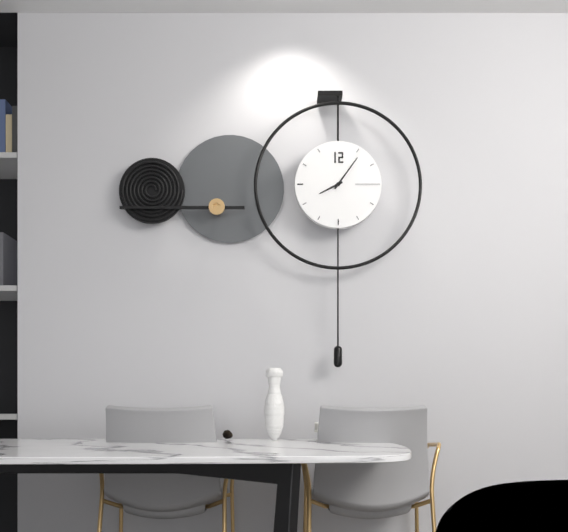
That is 8,06
